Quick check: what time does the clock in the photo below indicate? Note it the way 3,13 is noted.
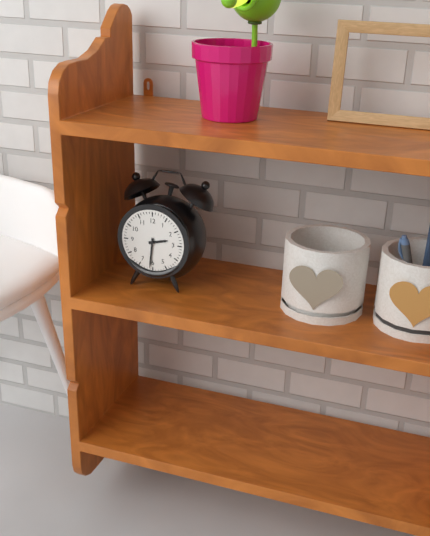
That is 2,31
